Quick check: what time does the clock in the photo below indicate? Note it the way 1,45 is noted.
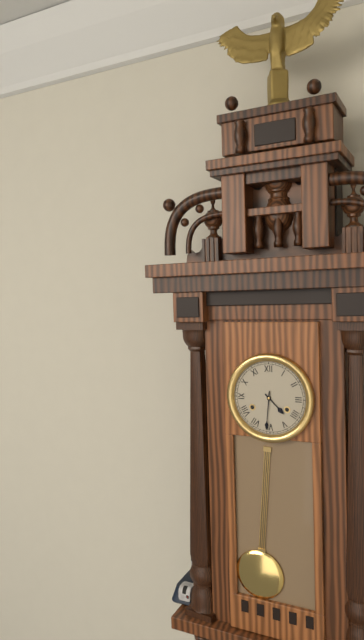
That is 4,31
